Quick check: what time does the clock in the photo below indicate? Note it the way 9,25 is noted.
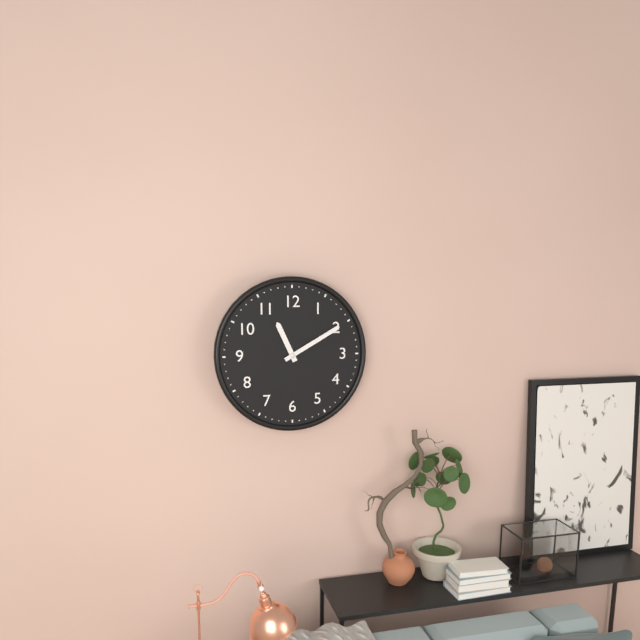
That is 11,10
